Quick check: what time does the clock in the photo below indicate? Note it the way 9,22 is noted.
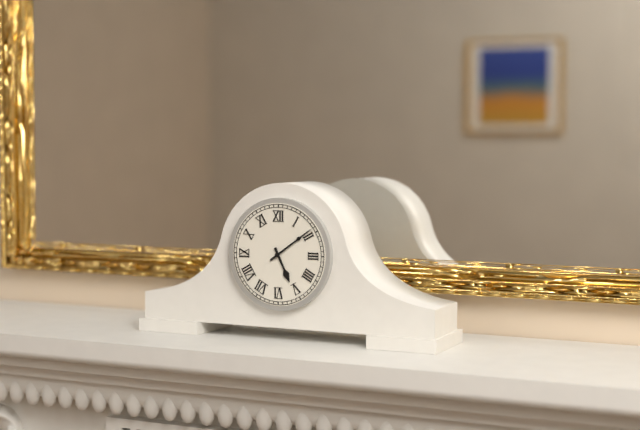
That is 5,09
